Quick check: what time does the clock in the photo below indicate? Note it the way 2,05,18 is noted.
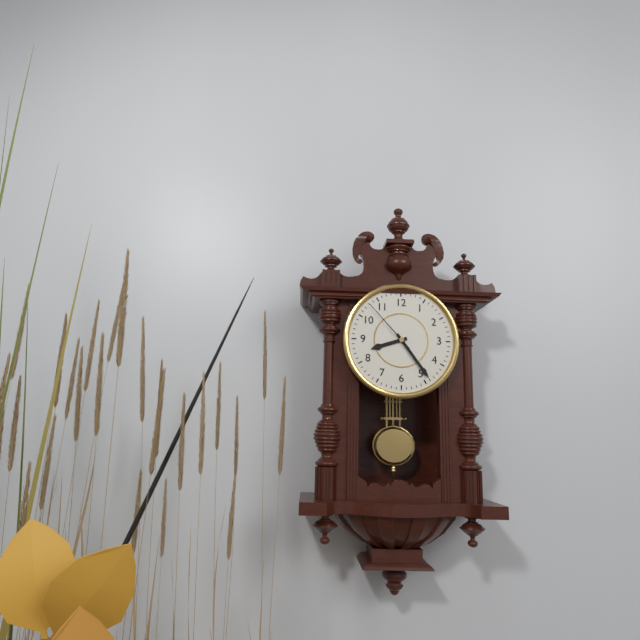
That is 8,24,53
